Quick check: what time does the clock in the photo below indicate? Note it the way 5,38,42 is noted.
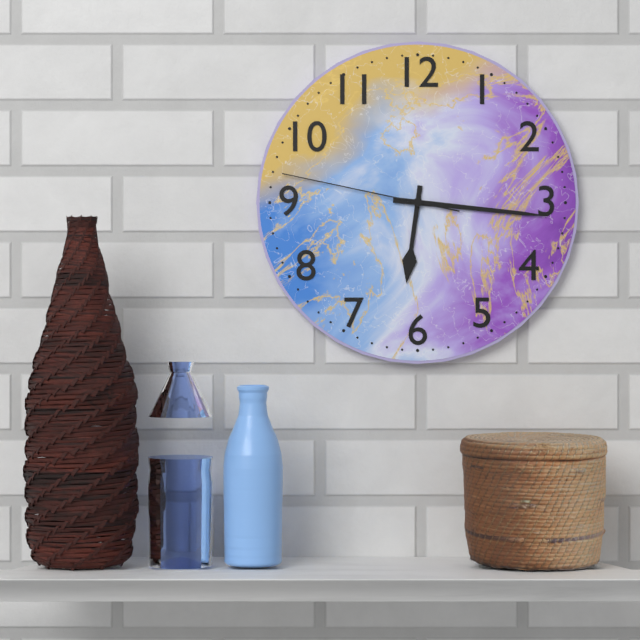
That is 6,16,47
